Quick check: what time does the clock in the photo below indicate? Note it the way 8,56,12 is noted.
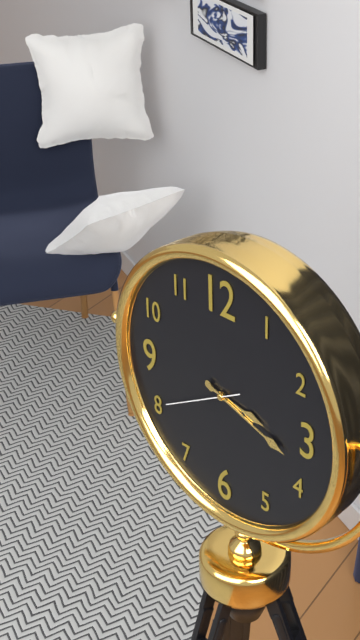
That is 3,18,40
